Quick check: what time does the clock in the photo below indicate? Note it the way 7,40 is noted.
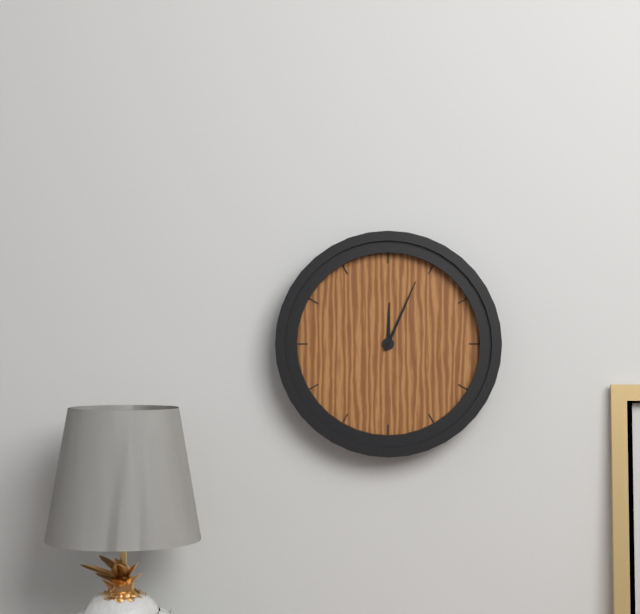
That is 12,04
